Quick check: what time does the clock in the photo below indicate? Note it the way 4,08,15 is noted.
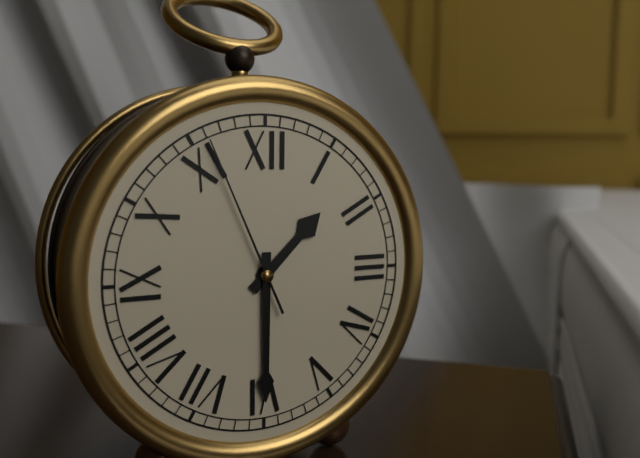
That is 1,30,56
